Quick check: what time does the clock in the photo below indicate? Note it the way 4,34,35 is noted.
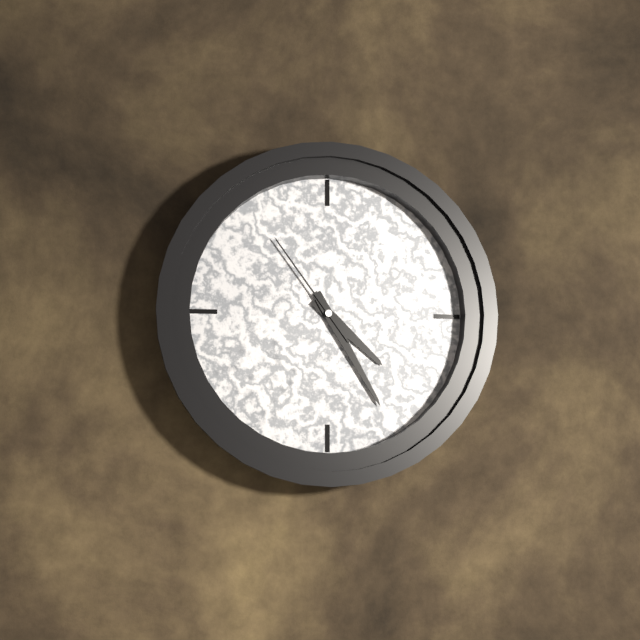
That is 4,25,54
